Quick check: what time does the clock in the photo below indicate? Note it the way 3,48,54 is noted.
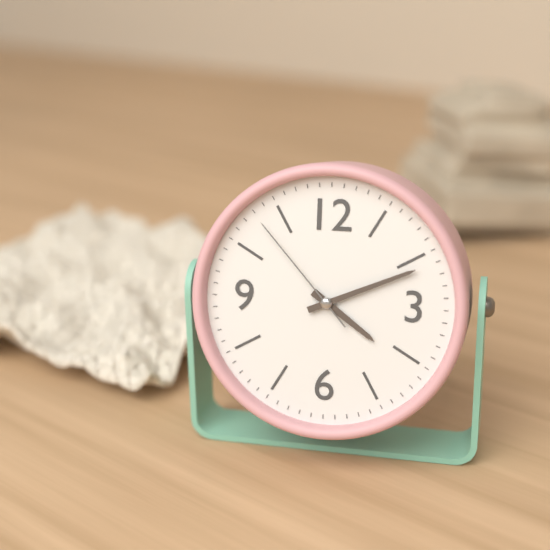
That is 4,11,53
